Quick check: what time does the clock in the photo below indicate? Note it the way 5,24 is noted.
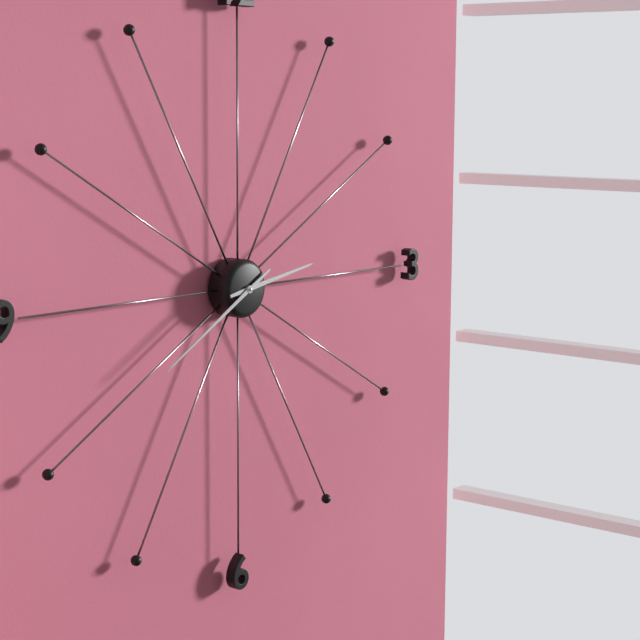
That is 2,40
